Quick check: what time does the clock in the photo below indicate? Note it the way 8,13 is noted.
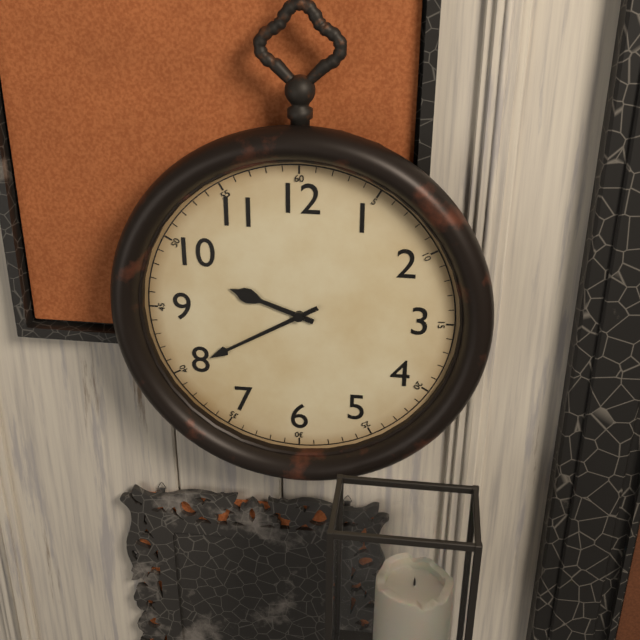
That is 9,40
